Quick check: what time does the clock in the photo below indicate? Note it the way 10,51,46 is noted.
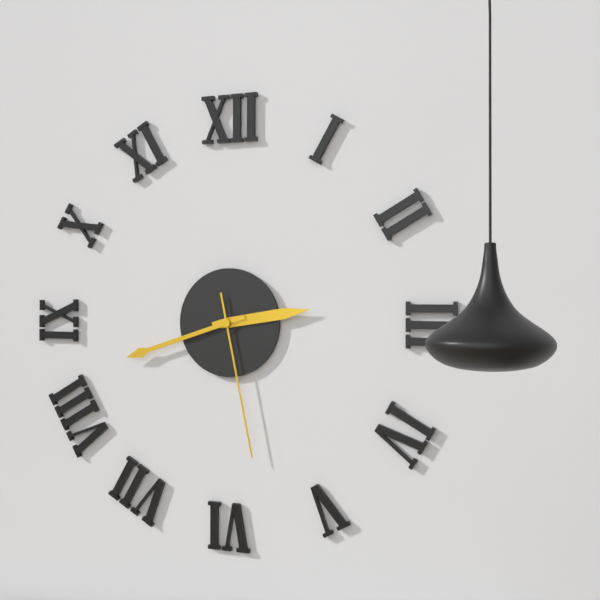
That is 2,42,28
